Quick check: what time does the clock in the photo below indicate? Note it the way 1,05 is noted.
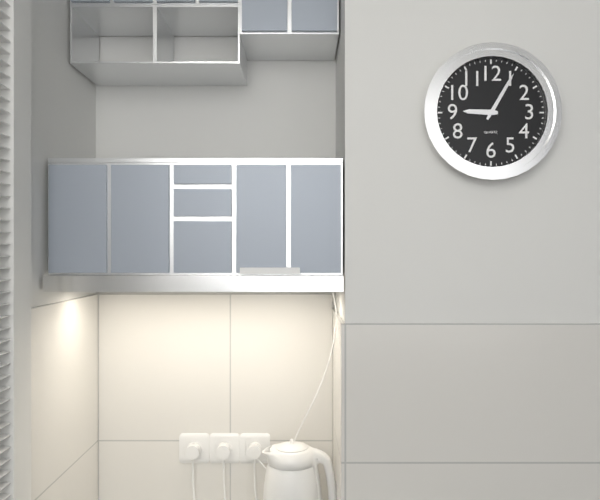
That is 9,05
